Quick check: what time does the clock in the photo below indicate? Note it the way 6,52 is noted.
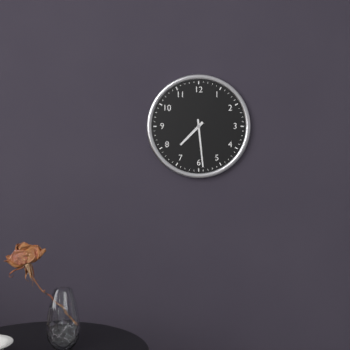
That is 7,29
